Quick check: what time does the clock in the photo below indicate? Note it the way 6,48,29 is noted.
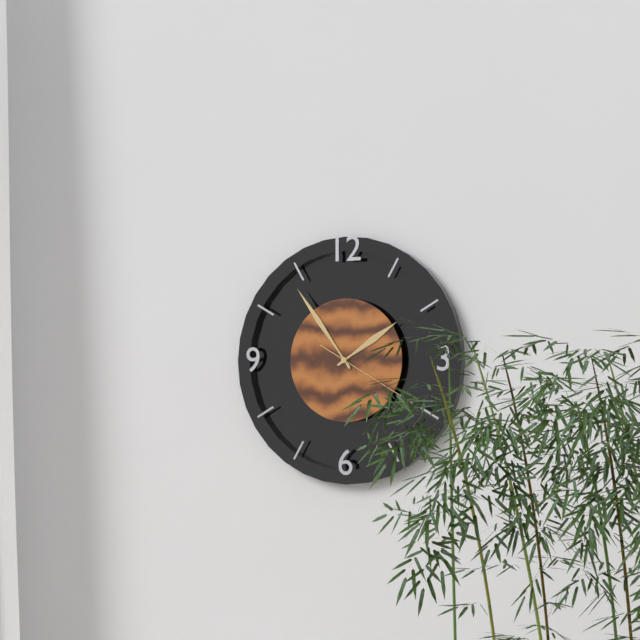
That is 1,54,20
